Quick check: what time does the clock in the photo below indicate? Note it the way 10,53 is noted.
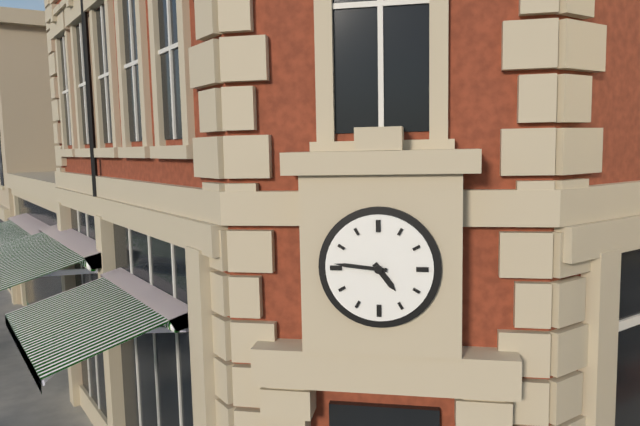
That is 4,46
